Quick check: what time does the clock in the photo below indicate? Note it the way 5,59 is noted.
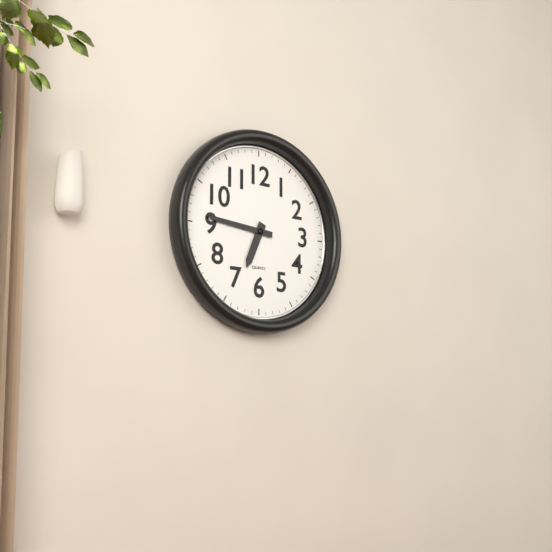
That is 6,46
